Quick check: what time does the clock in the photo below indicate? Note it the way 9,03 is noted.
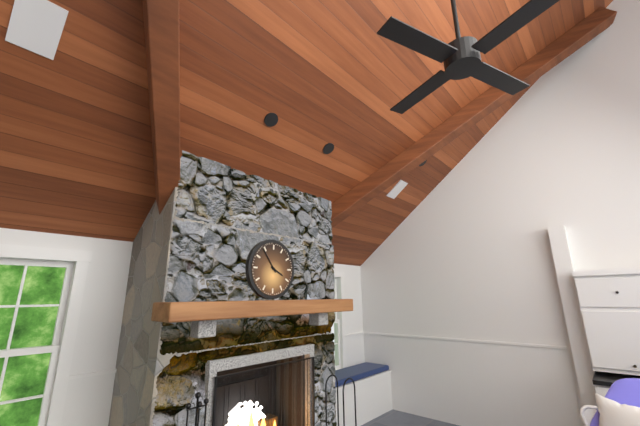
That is 3,54
